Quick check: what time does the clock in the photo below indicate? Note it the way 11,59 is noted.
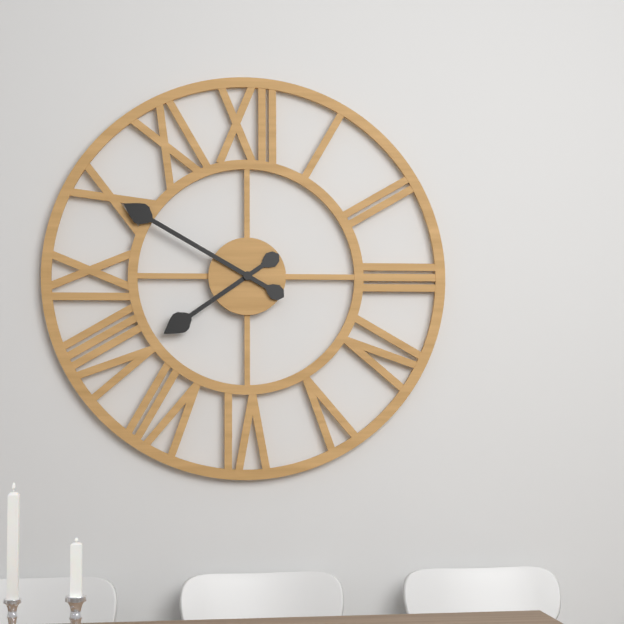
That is 7,50
